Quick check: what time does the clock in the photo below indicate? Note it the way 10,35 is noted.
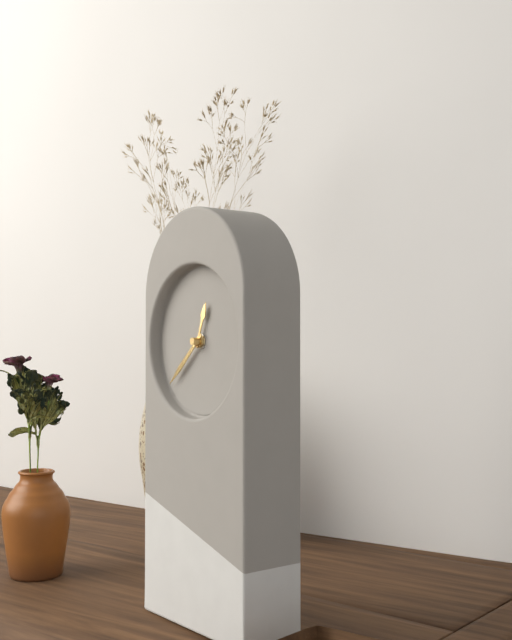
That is 12,38
